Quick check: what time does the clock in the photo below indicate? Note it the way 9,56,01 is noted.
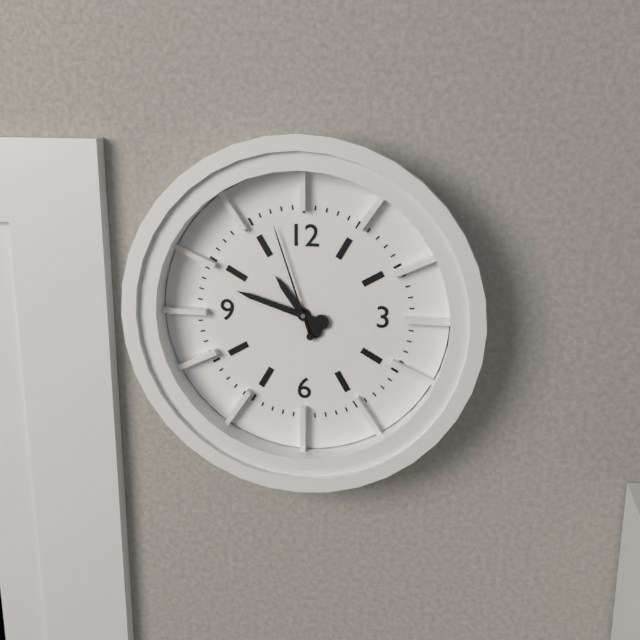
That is 10,48,57
